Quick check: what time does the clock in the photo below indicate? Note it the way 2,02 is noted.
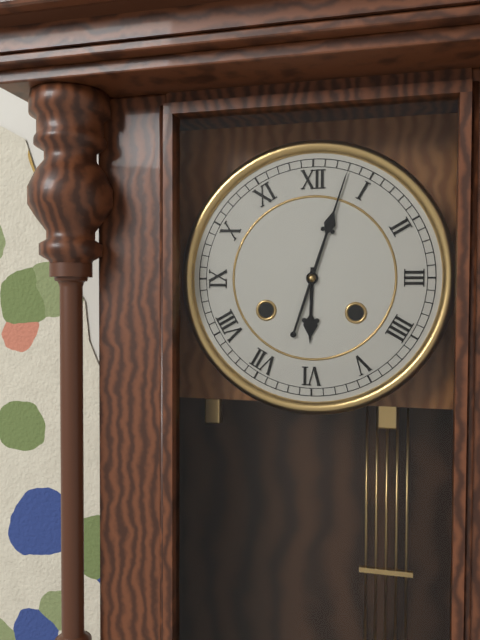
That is 6,03
